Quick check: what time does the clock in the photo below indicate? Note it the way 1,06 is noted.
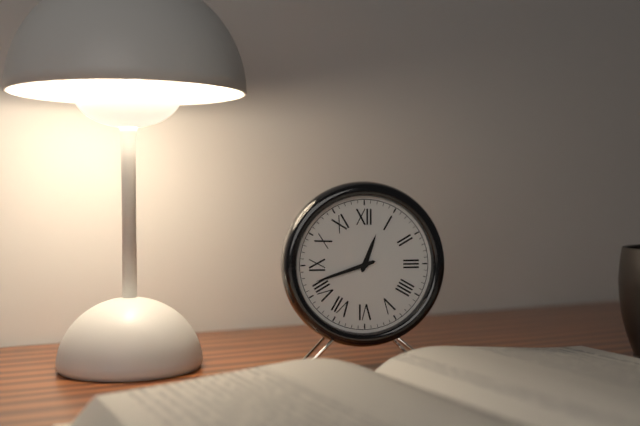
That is 12,42
